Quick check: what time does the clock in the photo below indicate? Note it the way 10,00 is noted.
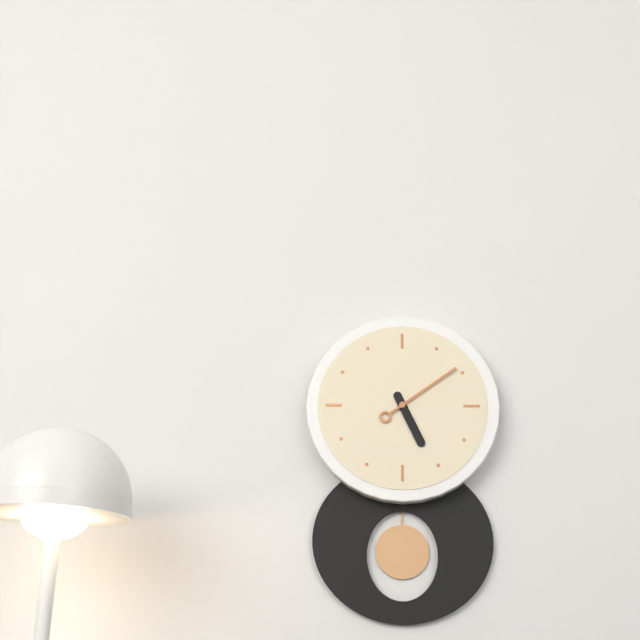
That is 5,09
